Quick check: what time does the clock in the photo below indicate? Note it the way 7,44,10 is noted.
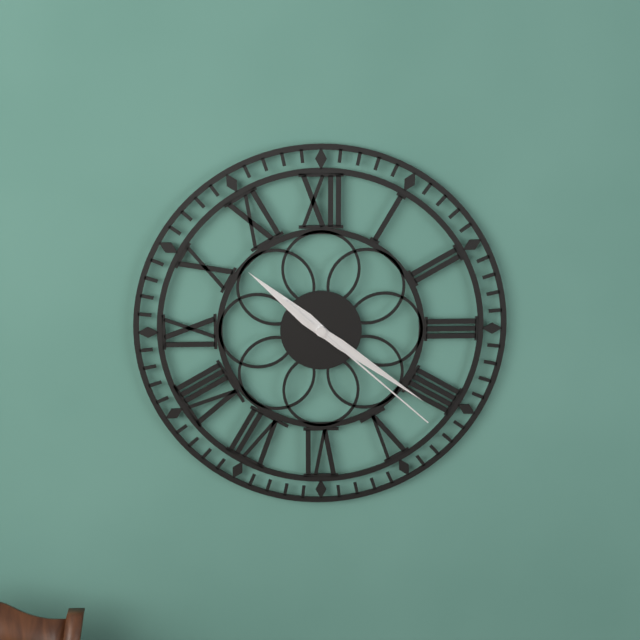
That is 10,21,22
